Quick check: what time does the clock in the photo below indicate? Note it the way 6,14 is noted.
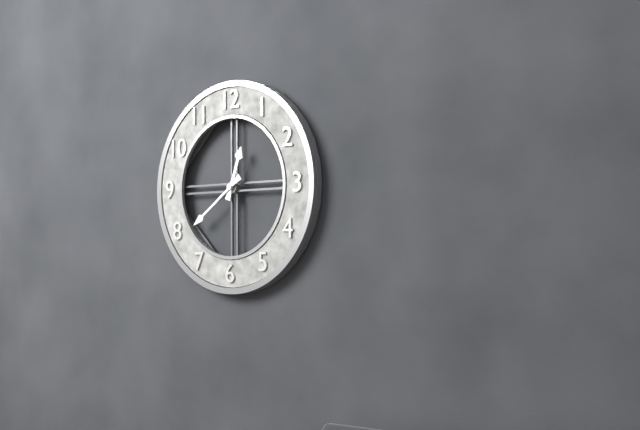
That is 12,39
